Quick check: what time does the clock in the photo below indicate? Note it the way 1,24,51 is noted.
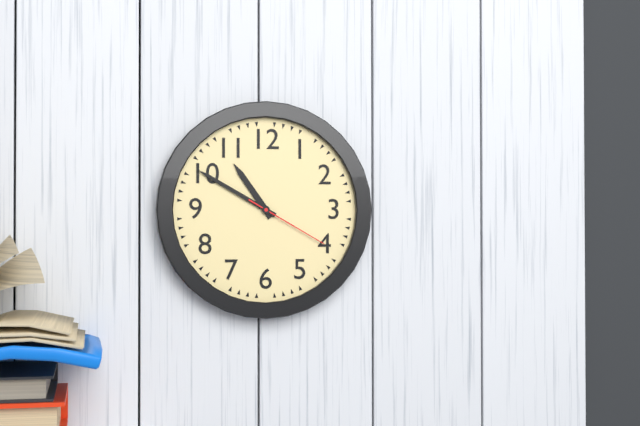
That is 10,50,20
